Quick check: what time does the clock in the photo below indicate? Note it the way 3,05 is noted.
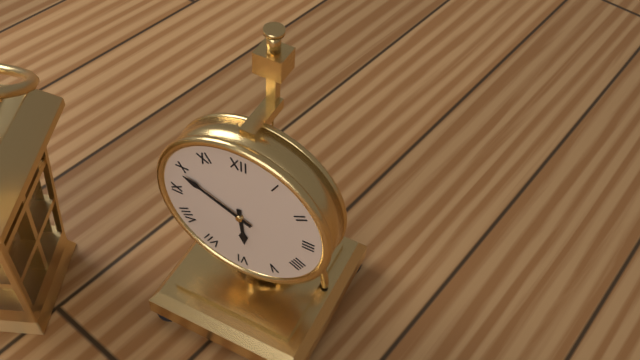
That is 5,49
